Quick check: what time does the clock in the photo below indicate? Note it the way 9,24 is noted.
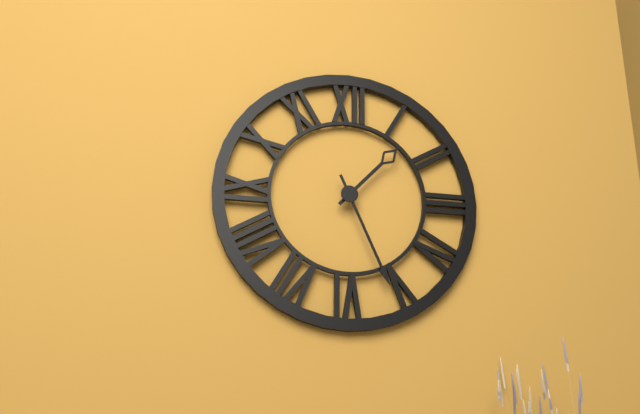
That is 1,26
